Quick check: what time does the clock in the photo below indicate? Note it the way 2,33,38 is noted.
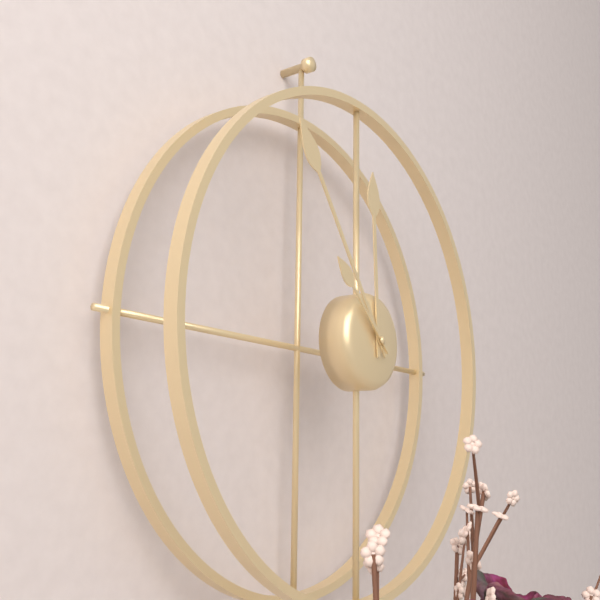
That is 11,54,52
